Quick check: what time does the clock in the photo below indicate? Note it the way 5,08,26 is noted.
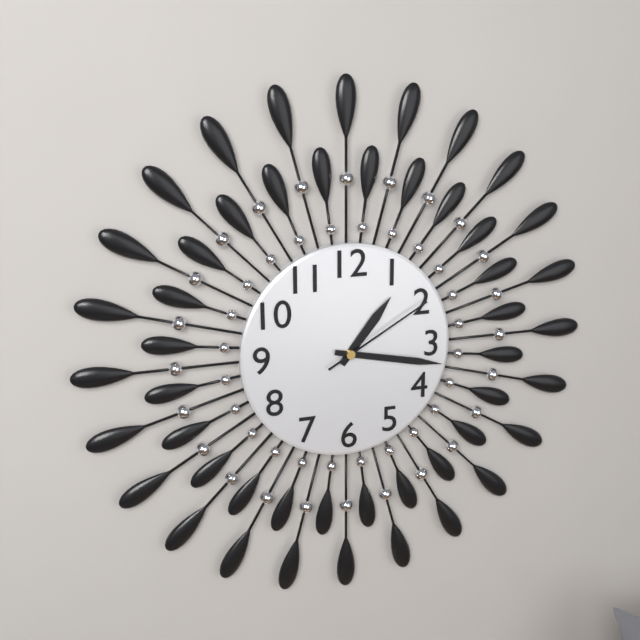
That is 1,17,10
